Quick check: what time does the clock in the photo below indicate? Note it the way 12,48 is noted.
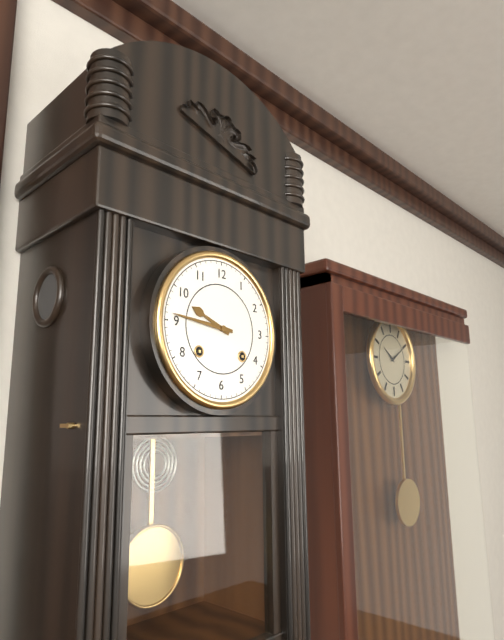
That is 9,46
